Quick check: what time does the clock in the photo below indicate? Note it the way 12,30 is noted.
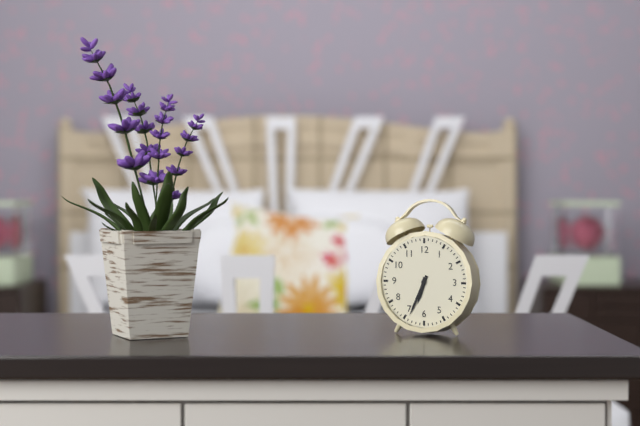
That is 6,34
